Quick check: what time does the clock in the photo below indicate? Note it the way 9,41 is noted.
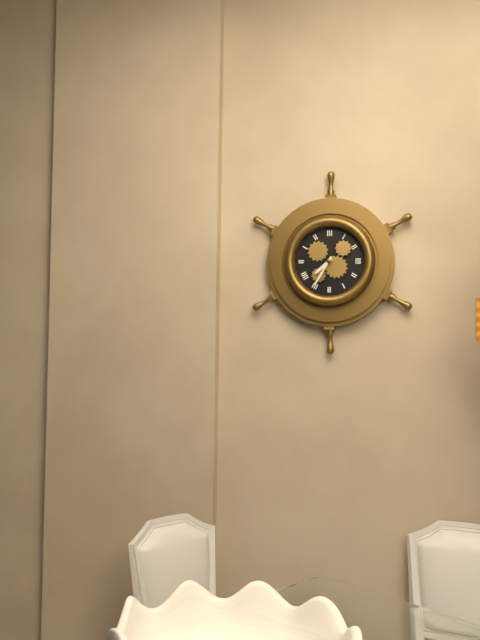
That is 7,35
